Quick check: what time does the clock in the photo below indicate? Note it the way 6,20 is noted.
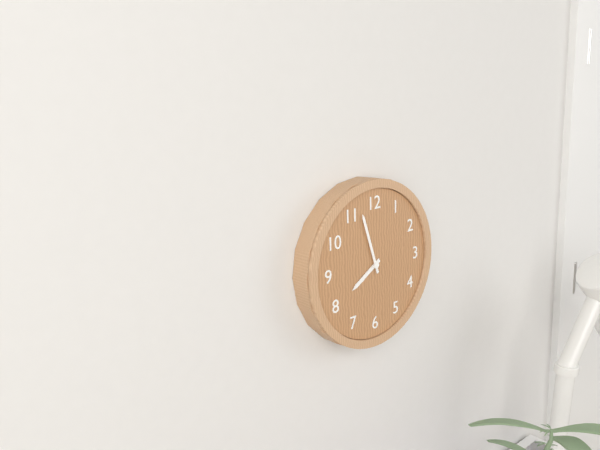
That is 7,57
